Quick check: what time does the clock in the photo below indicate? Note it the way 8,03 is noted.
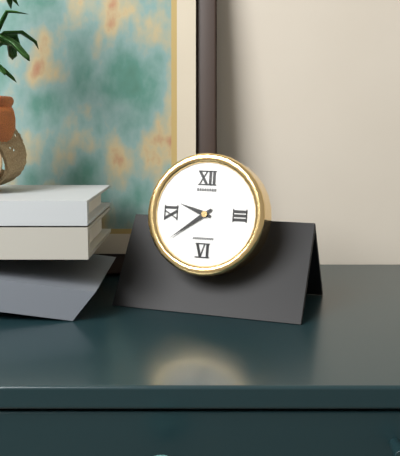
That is 9,39
